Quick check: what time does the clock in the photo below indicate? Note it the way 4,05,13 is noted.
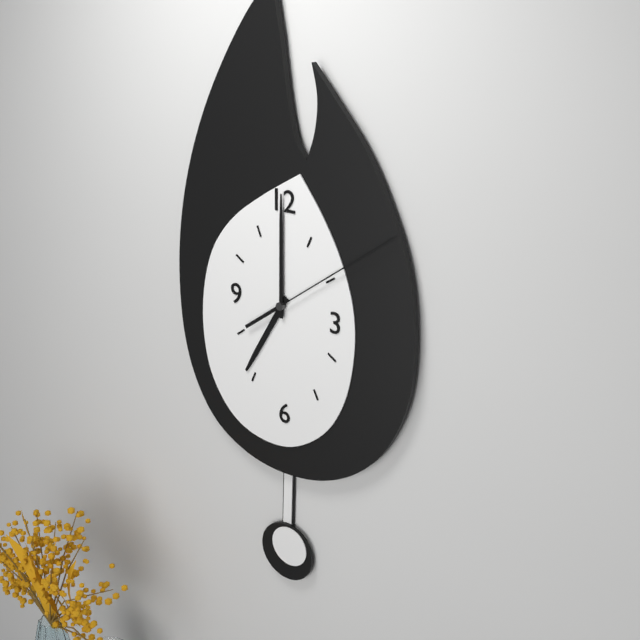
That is 7,00,09
